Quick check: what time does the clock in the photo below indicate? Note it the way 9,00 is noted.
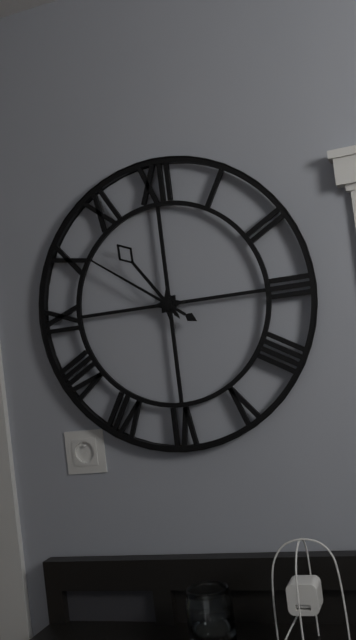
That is 10,51
